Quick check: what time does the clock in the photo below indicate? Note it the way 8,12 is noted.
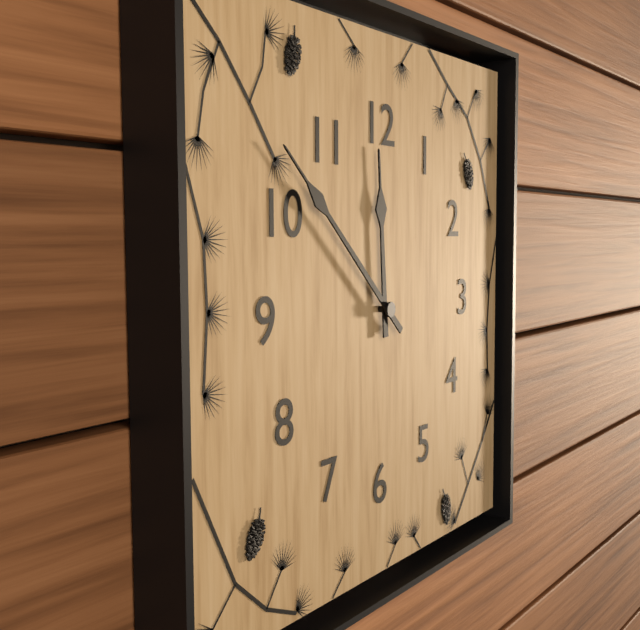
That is 11,52
